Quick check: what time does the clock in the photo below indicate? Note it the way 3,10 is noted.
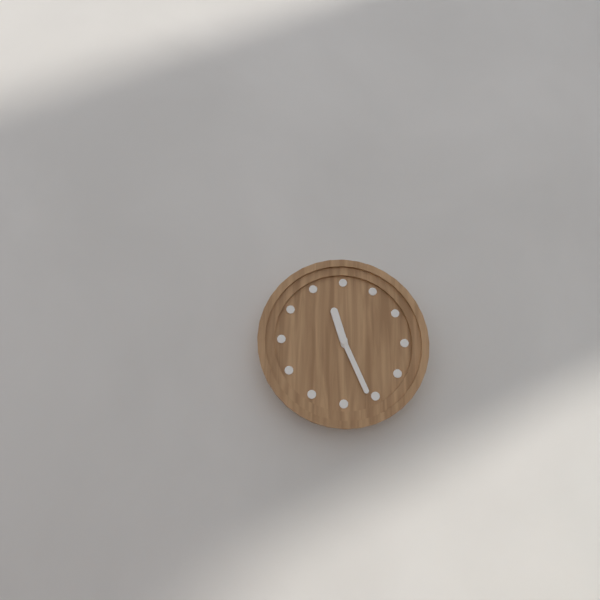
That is 11,26
